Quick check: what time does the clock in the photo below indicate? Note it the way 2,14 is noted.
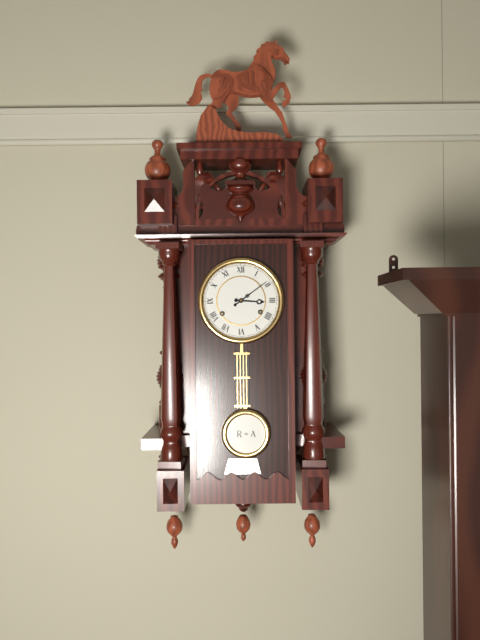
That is 3,09
